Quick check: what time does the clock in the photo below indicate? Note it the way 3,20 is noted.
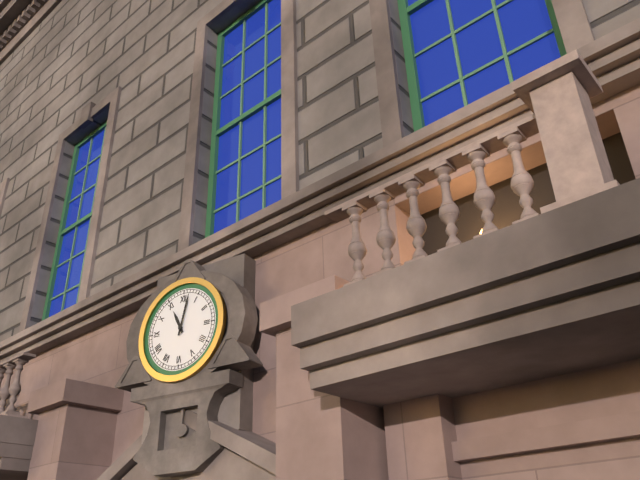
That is 11,02
